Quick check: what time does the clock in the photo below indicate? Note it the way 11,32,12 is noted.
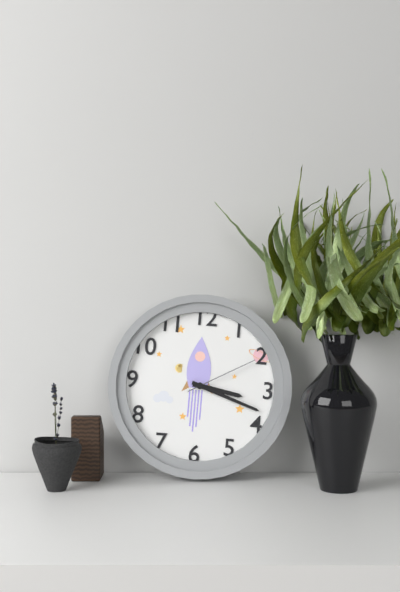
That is 3,18,10
